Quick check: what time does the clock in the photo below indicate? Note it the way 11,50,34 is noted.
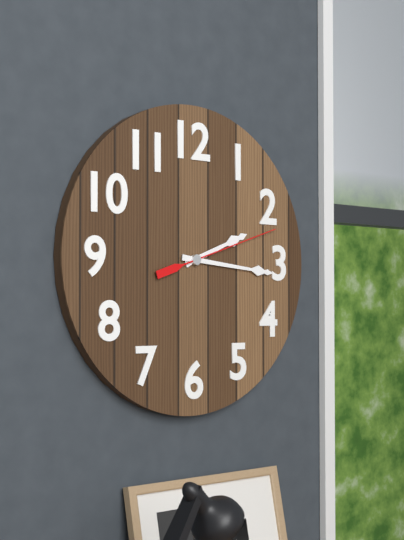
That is 2,16,12
